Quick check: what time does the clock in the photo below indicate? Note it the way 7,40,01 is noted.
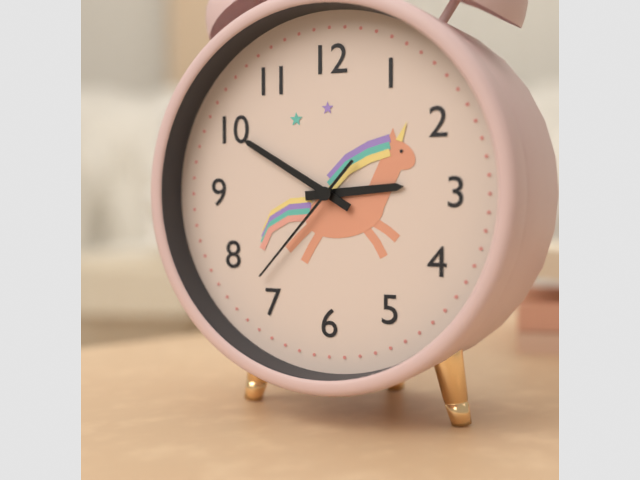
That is 2,50,37
